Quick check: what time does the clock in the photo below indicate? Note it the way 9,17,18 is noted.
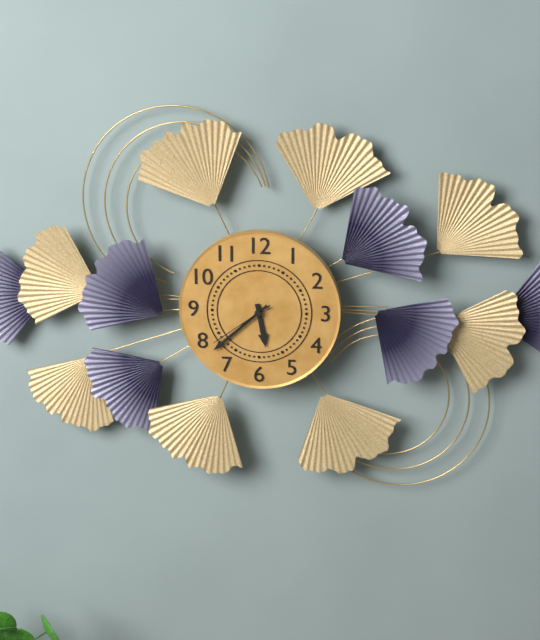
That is 5,38,39
